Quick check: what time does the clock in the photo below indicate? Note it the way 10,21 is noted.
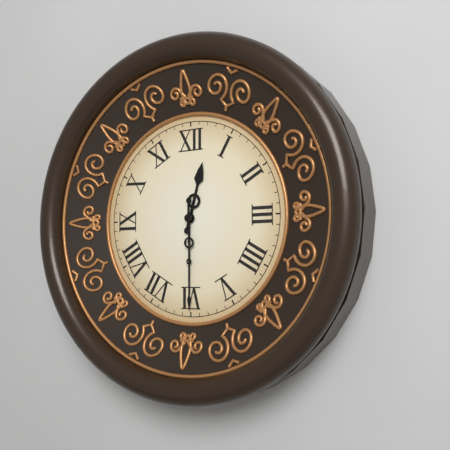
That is 12,30
